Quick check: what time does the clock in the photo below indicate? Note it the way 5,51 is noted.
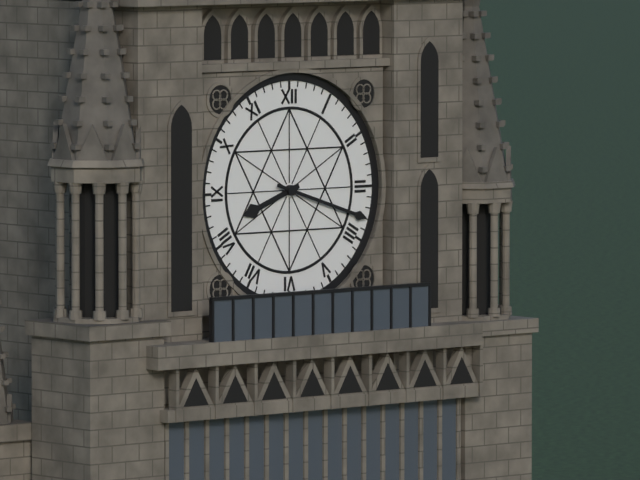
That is 8,18
